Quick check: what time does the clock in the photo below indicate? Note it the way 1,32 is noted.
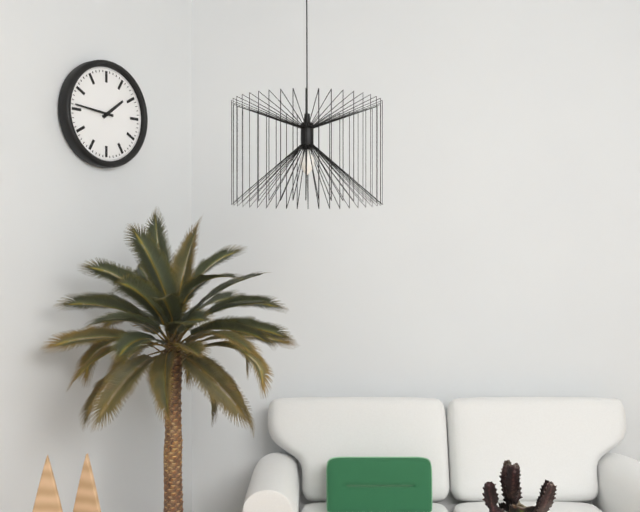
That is 1,46
